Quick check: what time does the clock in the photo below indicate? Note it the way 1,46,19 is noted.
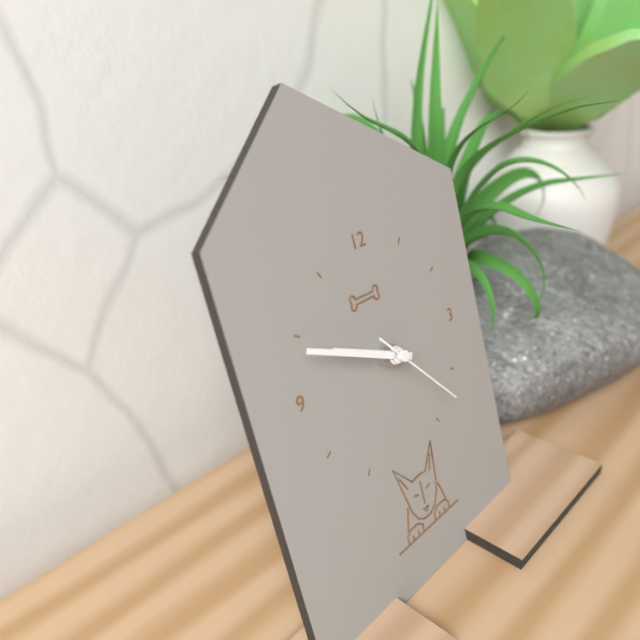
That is 9,49,23
